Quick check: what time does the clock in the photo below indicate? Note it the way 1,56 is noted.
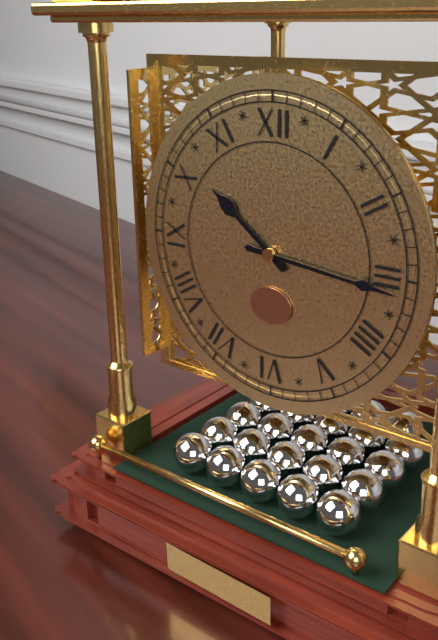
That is 10,16
